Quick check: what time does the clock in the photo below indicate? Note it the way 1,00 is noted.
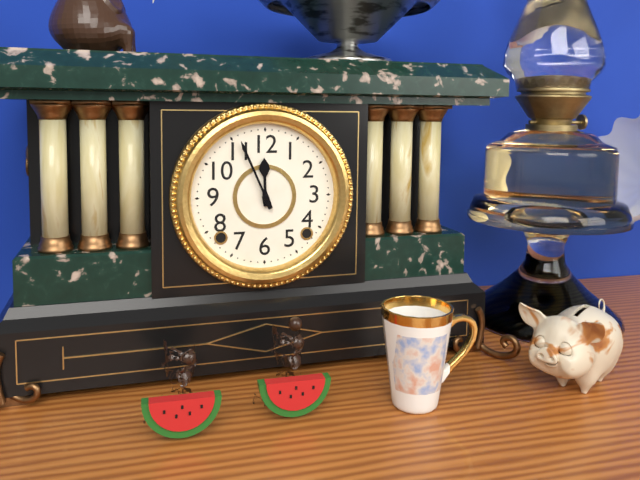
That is 11,56
